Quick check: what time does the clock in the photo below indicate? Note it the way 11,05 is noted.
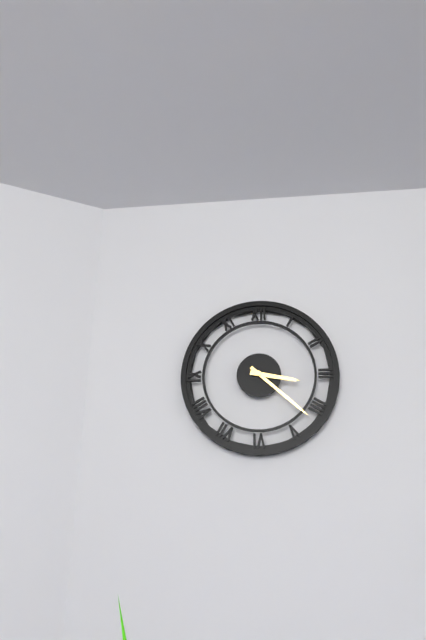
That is 3,22
